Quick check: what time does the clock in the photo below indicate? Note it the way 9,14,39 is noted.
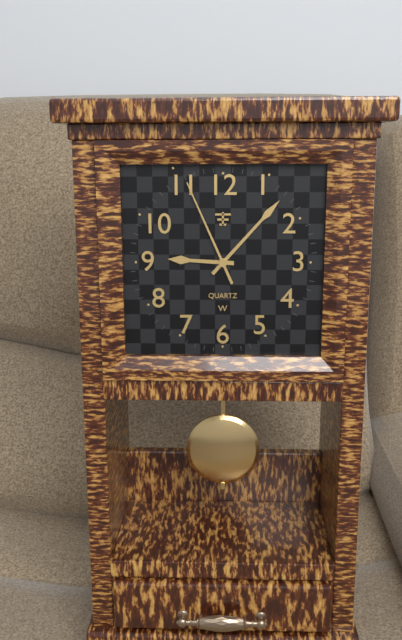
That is 9,07,56
